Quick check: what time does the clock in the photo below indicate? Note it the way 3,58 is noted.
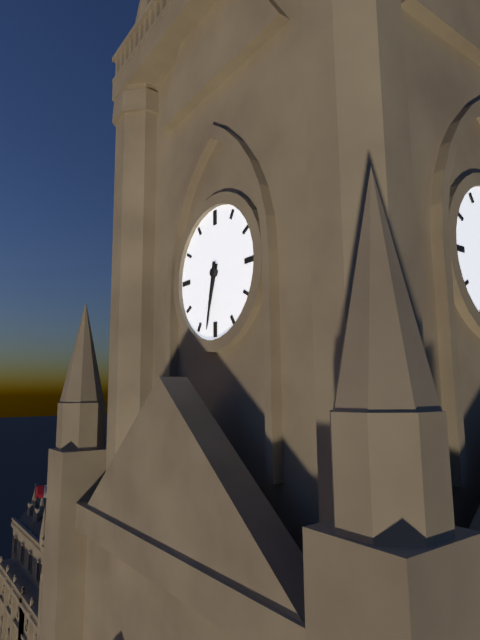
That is 6,32
